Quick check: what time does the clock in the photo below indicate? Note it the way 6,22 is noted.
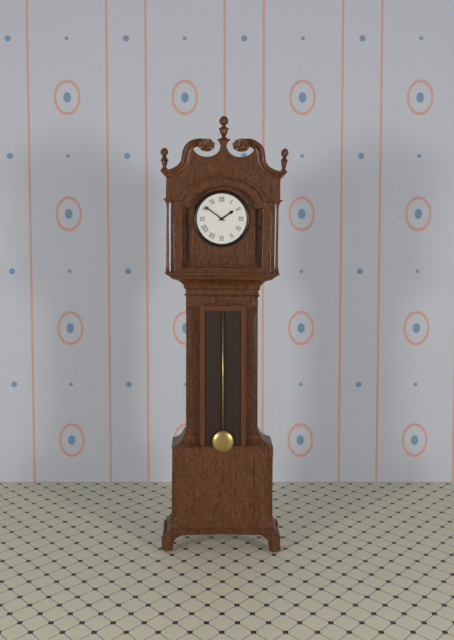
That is 1,51
